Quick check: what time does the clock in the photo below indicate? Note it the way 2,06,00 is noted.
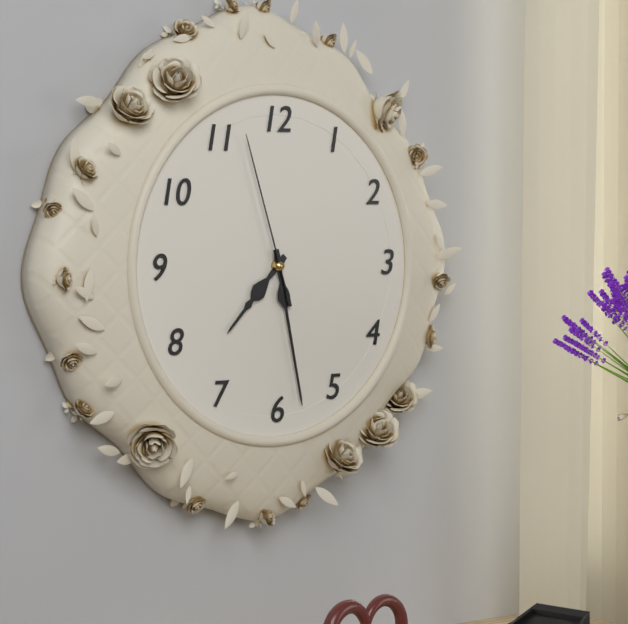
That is 7,28,57
